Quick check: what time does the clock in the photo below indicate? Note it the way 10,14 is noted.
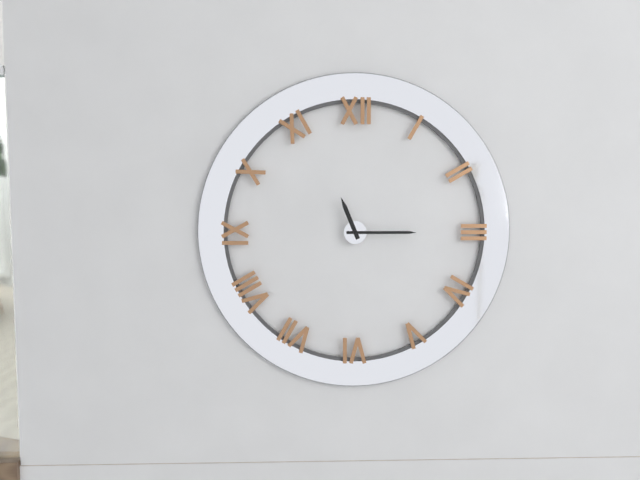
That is 11,15
